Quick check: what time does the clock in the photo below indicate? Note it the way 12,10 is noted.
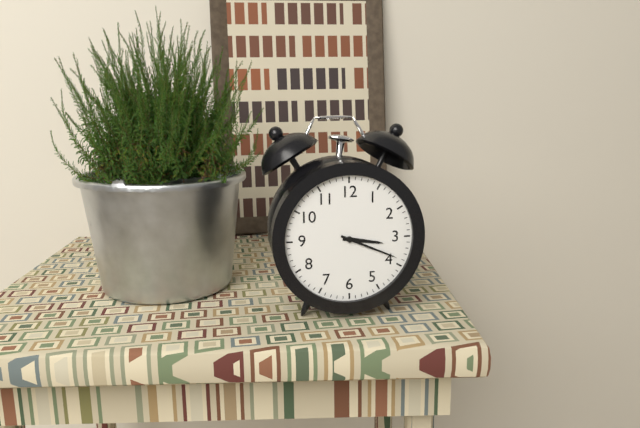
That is 3,19
